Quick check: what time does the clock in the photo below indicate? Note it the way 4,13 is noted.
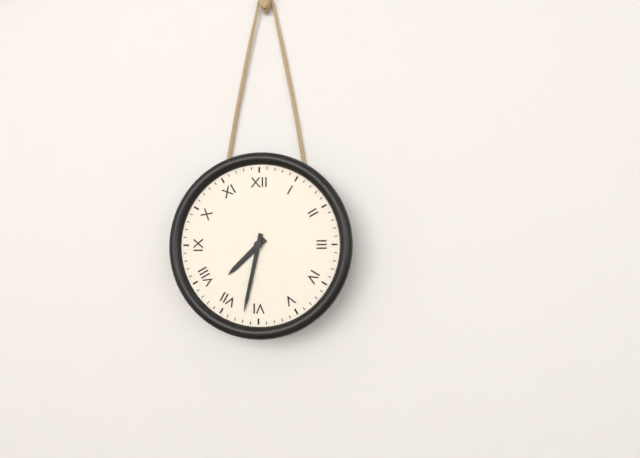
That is 7,32
